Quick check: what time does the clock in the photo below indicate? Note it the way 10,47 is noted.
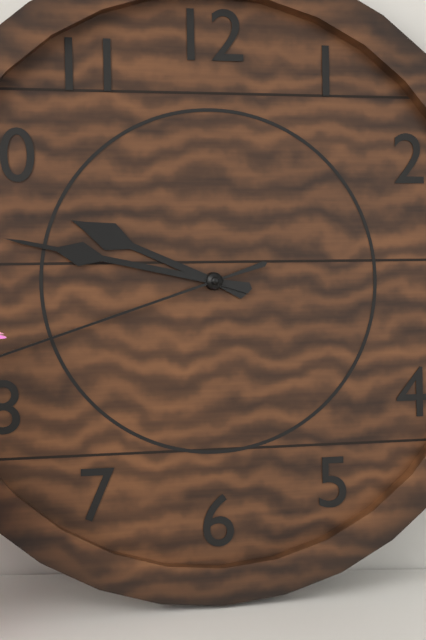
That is 9,47
